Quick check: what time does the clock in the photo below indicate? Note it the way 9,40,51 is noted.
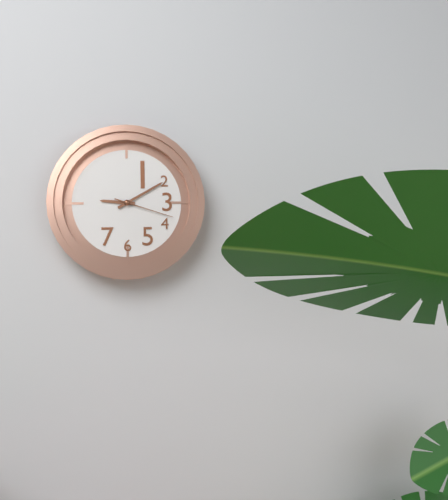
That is 9,10,18
